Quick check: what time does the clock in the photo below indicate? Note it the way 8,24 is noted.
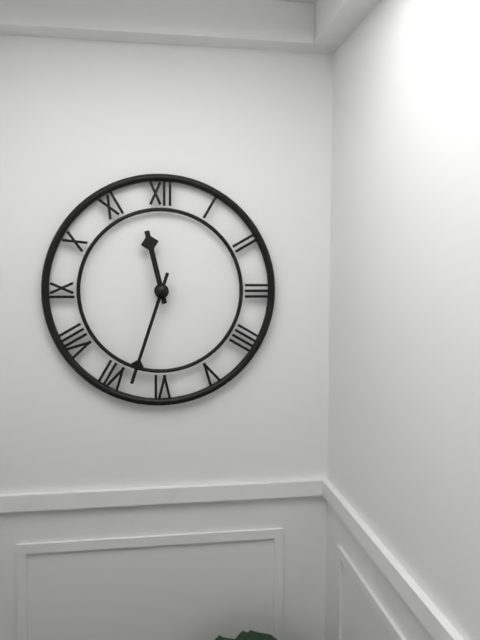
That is 11,33
